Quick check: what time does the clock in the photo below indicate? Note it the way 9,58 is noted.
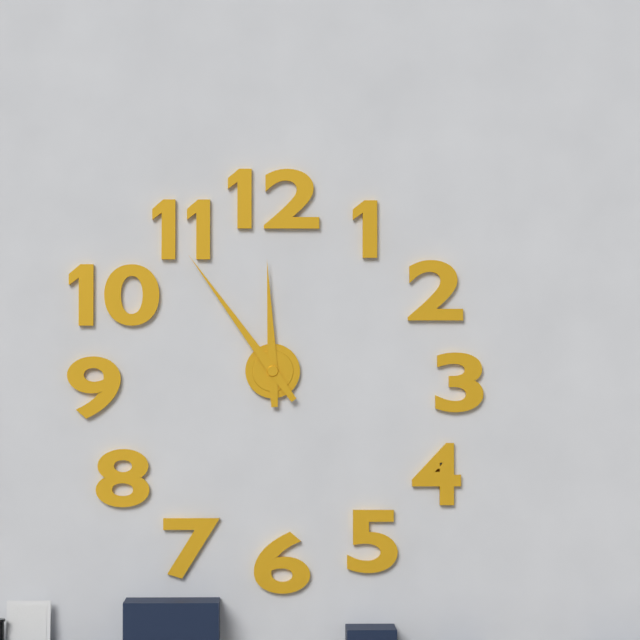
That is 11,54
